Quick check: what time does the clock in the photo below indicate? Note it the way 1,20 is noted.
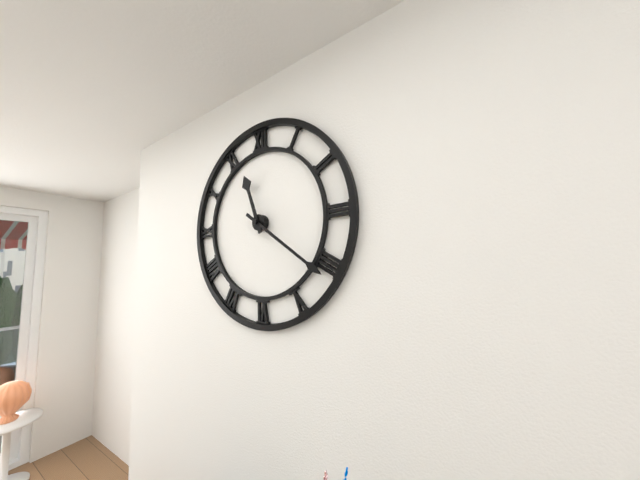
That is 11,21
